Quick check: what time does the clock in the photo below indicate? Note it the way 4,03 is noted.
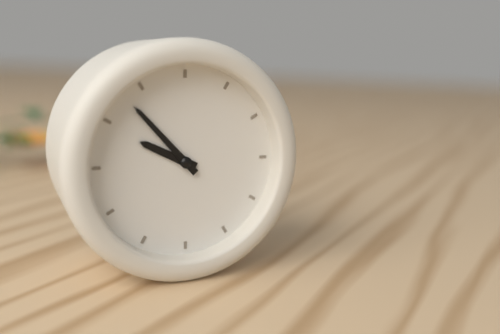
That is 9,53
